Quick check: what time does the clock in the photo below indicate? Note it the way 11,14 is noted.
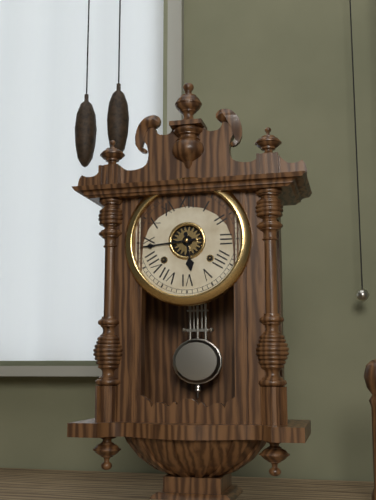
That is 5,44
